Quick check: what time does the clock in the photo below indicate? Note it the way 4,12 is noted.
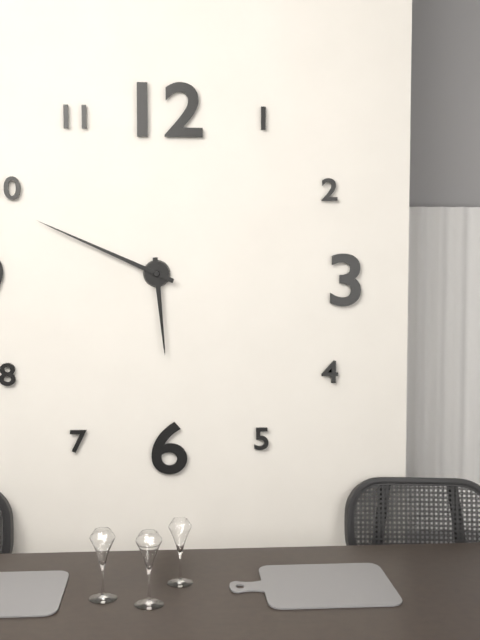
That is 5,49
